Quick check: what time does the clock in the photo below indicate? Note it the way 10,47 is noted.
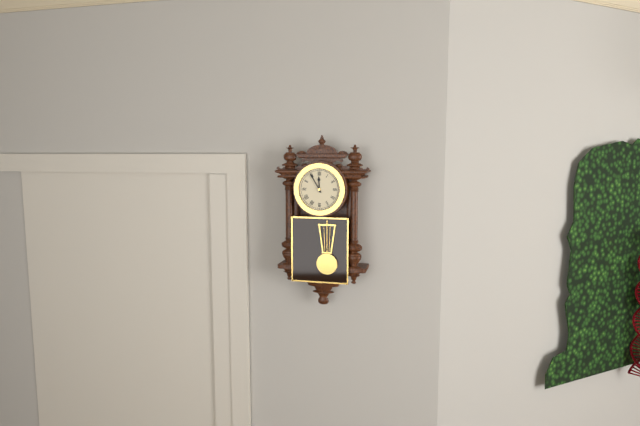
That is 11,55
